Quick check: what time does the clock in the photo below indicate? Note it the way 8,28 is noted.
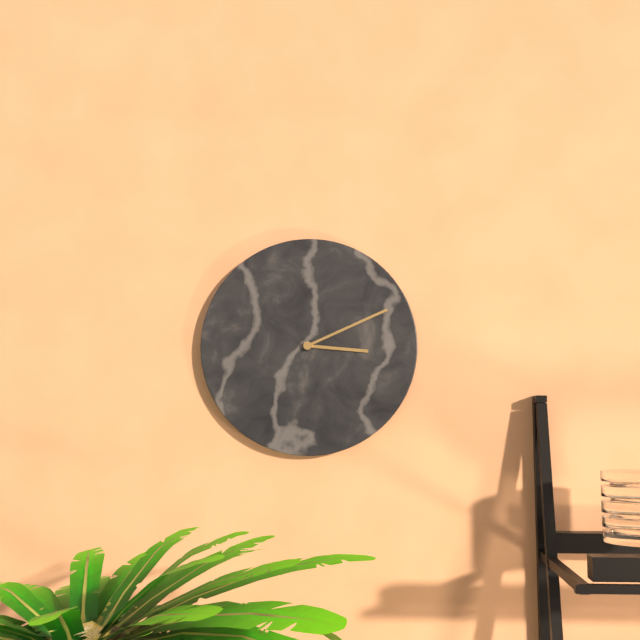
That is 3,11
